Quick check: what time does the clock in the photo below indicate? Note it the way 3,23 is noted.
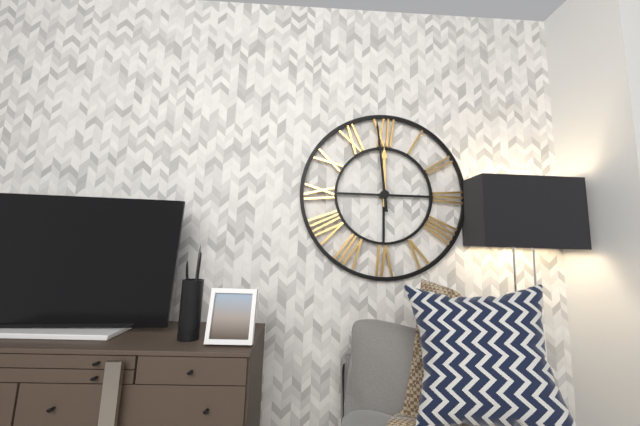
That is 11,59
